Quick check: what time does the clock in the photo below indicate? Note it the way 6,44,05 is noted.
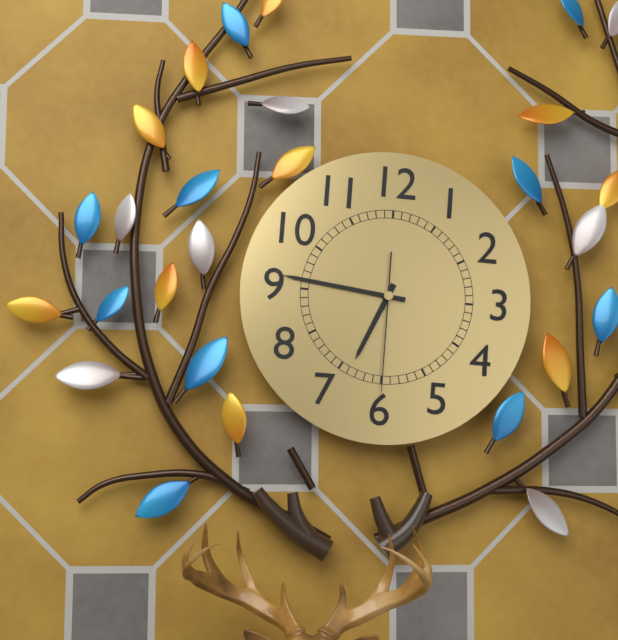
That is 6,46,30
